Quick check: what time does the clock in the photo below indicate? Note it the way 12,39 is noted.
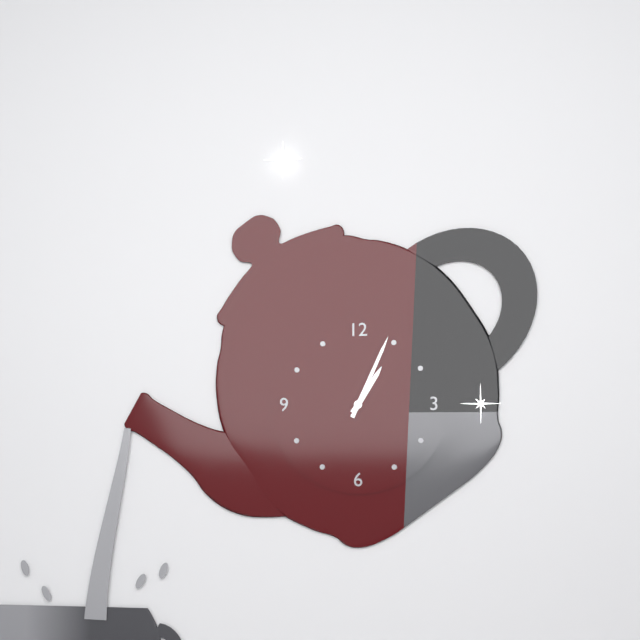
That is 1,04
